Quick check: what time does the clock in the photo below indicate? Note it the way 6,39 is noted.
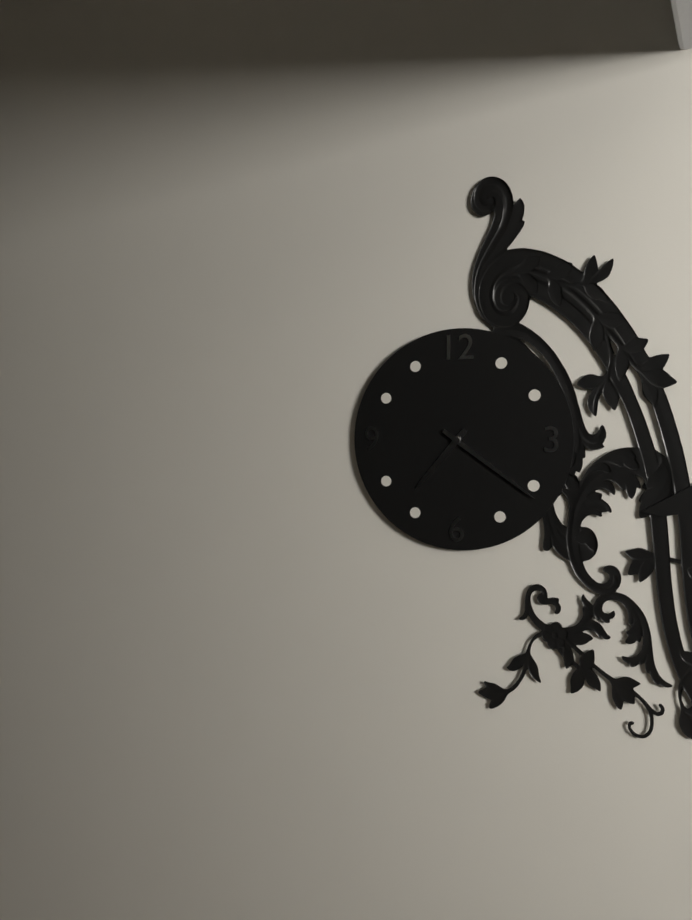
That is 7,21
